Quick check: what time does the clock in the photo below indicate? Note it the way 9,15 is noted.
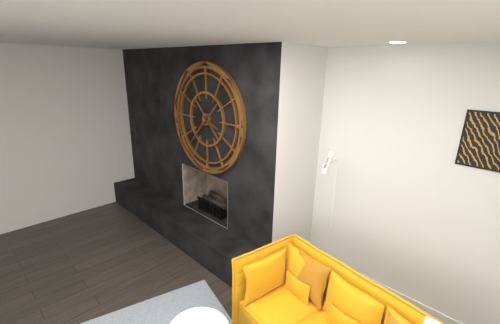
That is 3,37
